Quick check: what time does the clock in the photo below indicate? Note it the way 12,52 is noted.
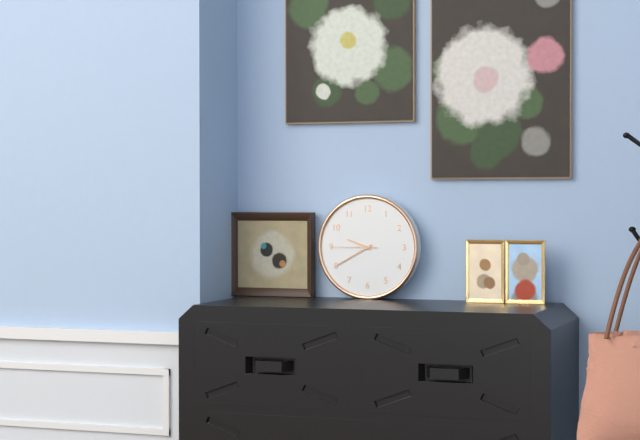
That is 9,40
